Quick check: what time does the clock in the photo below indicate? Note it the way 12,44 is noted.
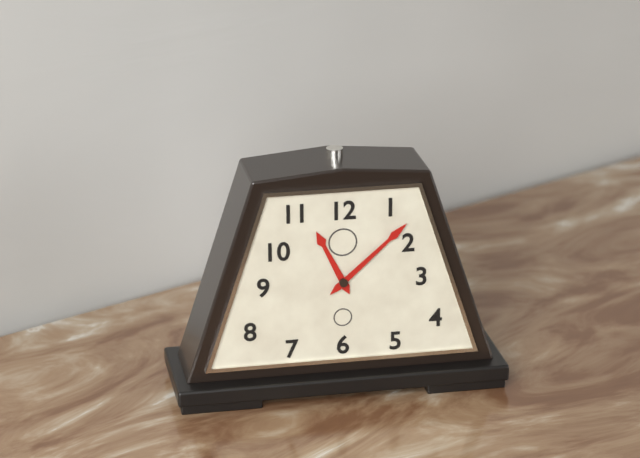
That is 11,08
